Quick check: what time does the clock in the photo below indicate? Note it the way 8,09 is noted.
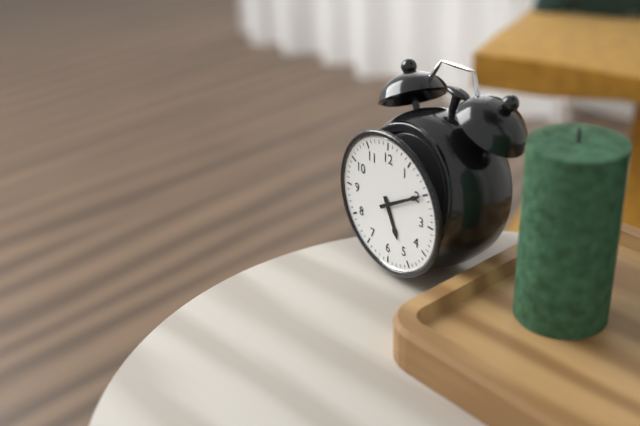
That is 5,10
